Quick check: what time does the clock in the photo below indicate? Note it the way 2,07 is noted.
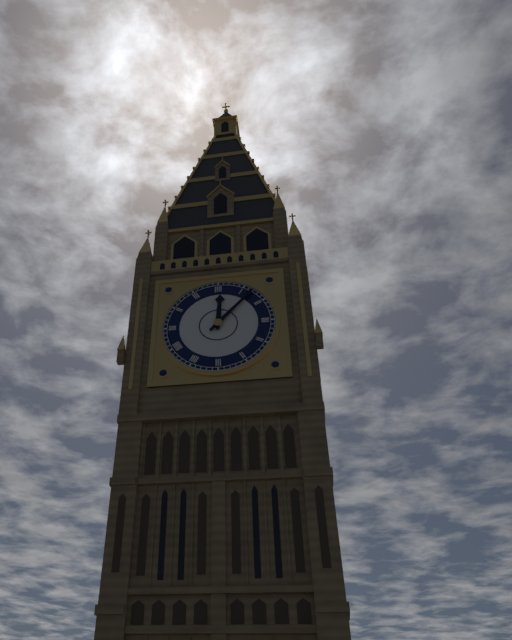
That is 12,07
